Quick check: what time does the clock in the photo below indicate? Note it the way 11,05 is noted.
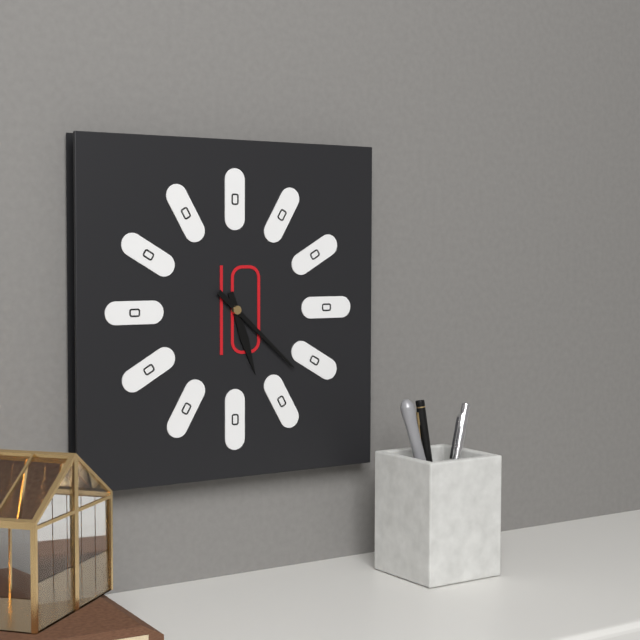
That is 5,22
